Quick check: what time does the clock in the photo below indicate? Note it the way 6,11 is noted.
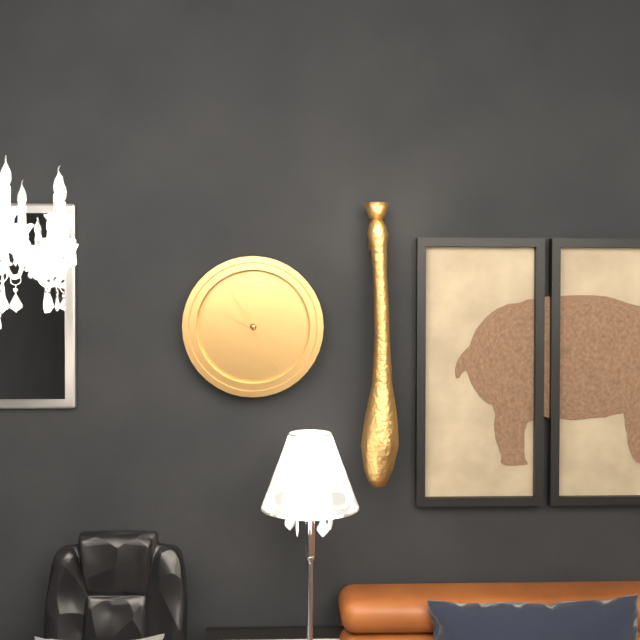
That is 9,55
